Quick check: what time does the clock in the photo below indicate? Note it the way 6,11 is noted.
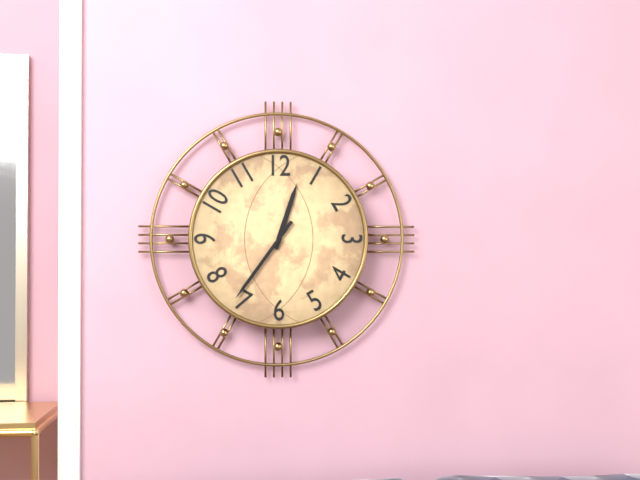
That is 12,36
